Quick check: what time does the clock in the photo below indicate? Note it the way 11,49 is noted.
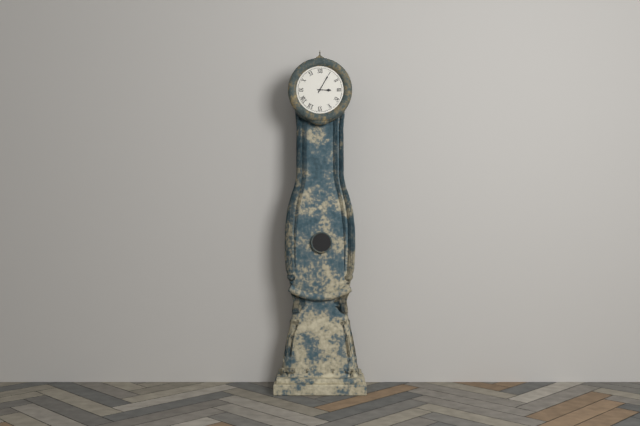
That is 3,05
